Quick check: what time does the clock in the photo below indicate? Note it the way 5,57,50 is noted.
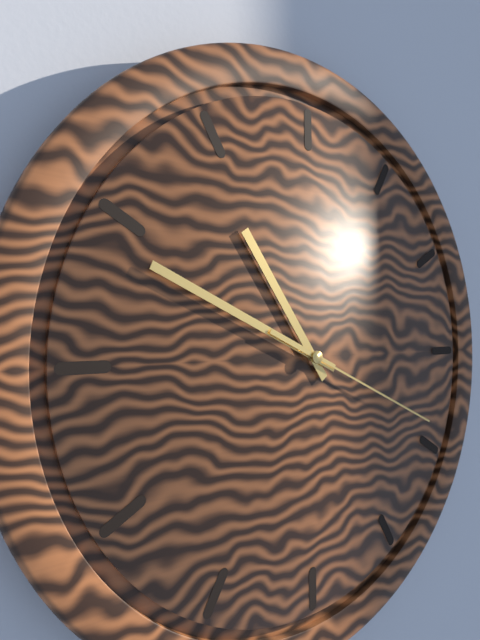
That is 10,49,19
